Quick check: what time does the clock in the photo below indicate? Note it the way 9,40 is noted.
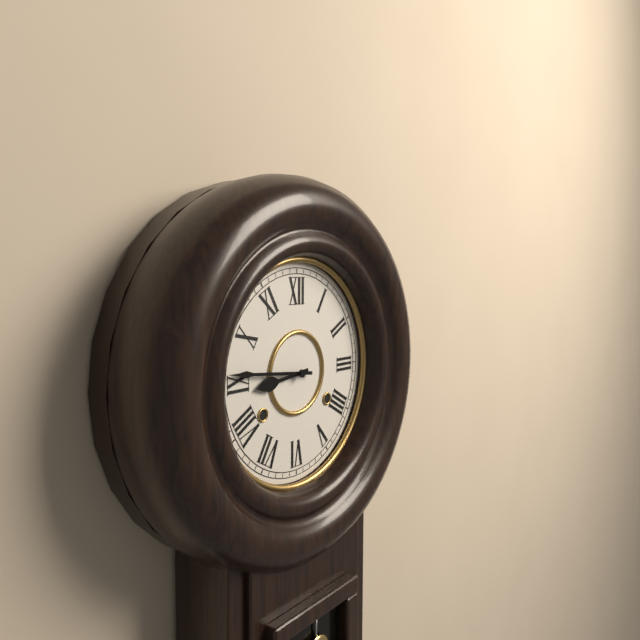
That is 8,46
